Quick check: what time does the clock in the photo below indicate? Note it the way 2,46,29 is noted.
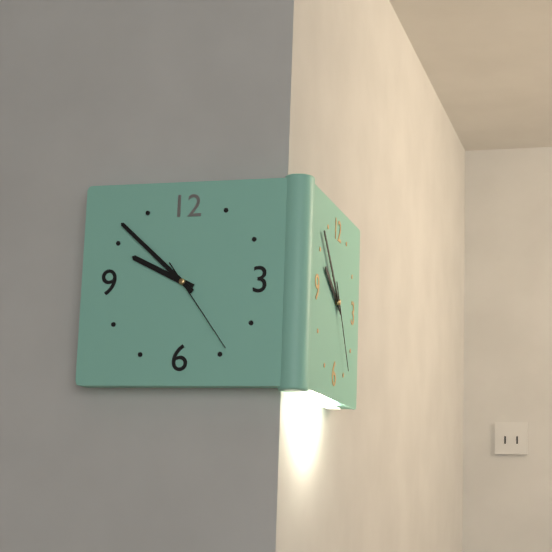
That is 9,52,24
